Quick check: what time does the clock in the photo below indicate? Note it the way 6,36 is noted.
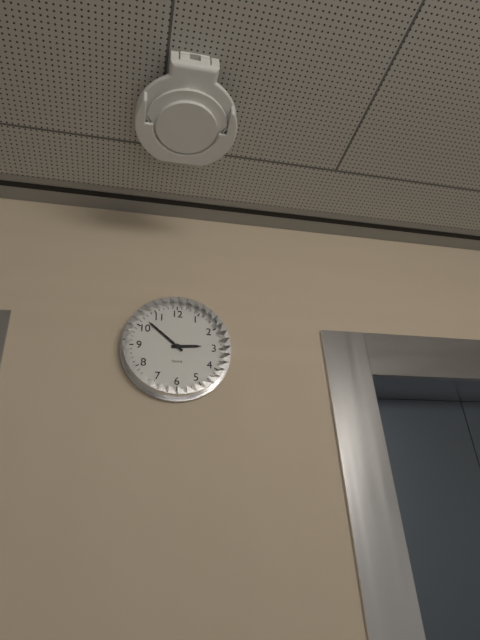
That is 2,52
